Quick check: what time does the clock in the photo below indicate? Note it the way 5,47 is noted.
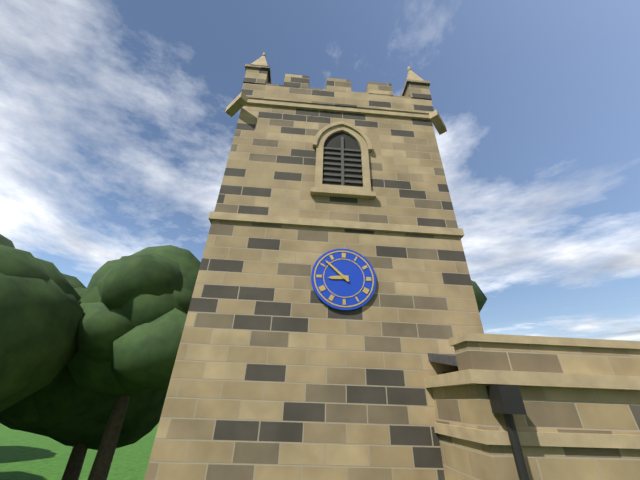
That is 8,52
